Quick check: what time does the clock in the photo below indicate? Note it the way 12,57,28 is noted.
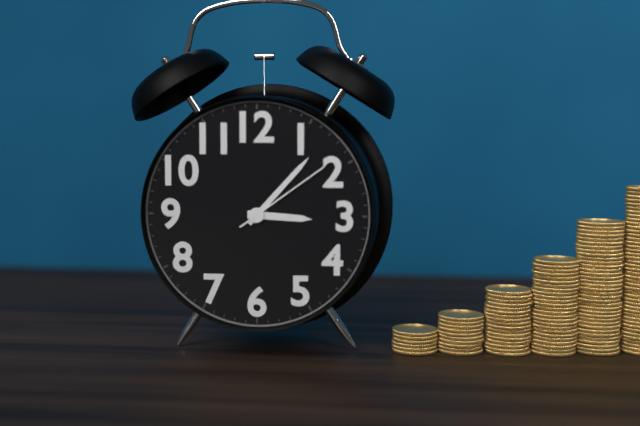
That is 3,07,09
